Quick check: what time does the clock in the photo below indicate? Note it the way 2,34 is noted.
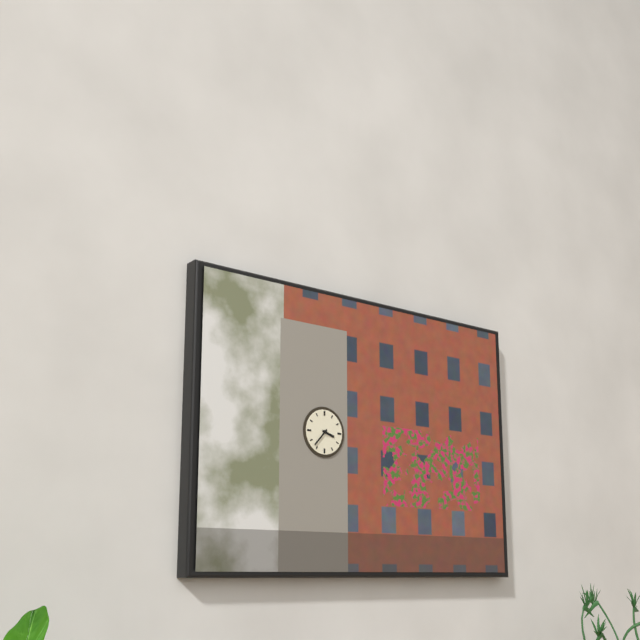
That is 3,37
